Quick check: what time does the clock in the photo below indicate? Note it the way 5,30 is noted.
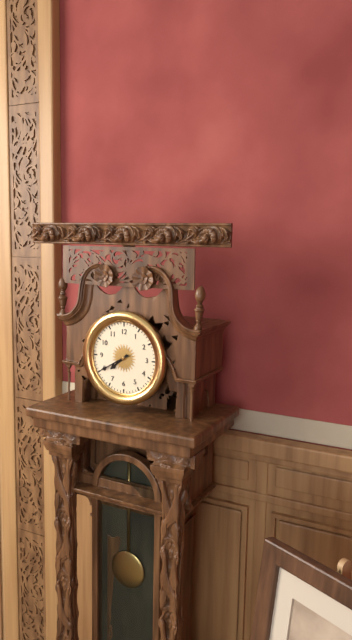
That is 7,40
